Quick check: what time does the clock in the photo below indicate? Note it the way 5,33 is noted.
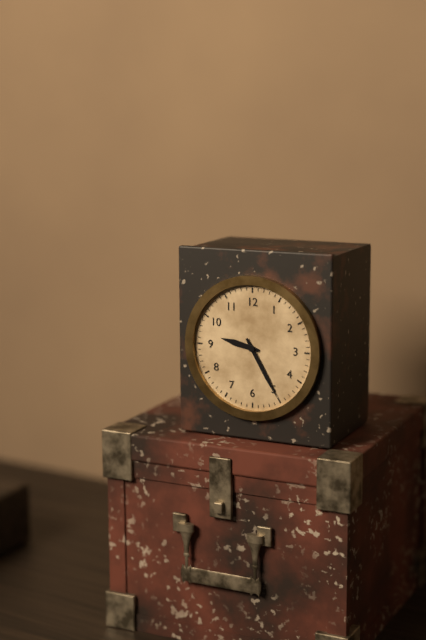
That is 9,25
